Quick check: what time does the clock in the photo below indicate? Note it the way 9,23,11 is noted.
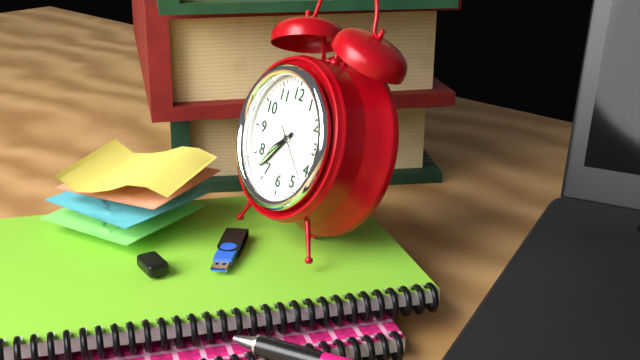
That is 7,37,22
